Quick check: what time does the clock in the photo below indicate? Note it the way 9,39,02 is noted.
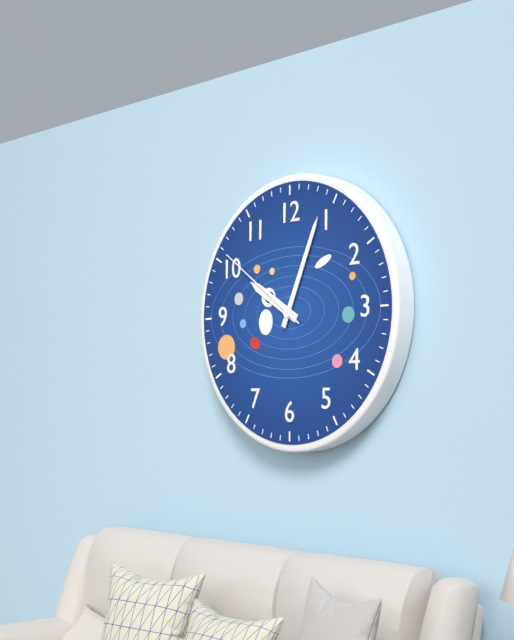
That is 10,04,51
